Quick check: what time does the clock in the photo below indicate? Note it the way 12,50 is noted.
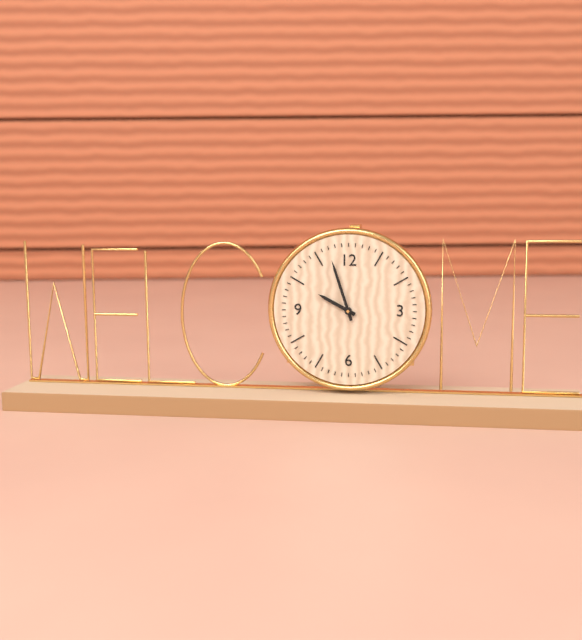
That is 9,57
